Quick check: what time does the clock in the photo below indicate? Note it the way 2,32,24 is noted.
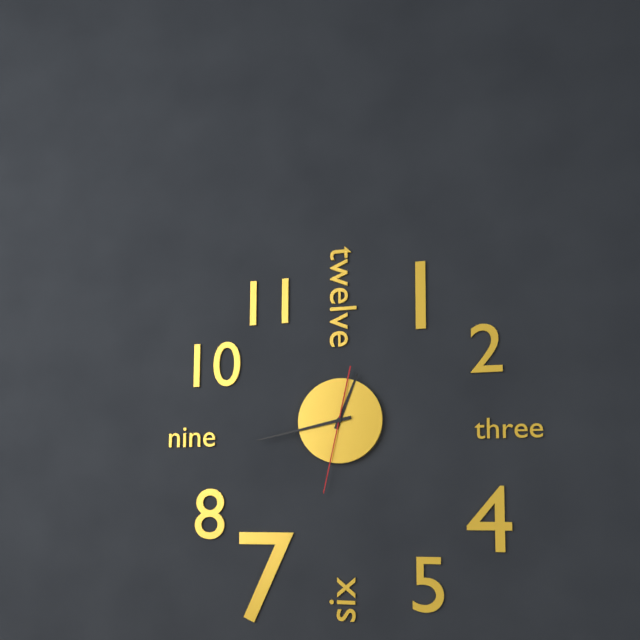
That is 12,43,32
